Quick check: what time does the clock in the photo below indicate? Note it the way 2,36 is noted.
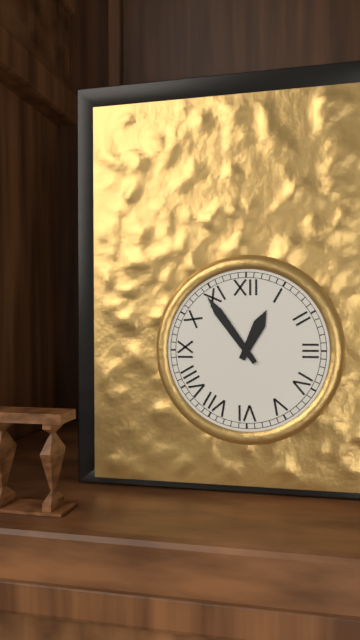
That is 12,54
